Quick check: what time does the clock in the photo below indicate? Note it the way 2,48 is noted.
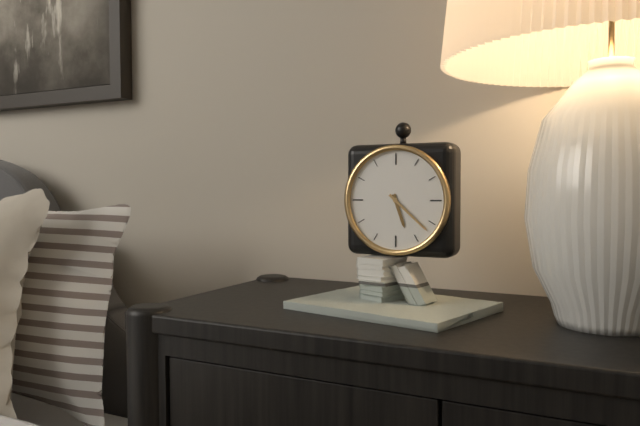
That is 5,22
